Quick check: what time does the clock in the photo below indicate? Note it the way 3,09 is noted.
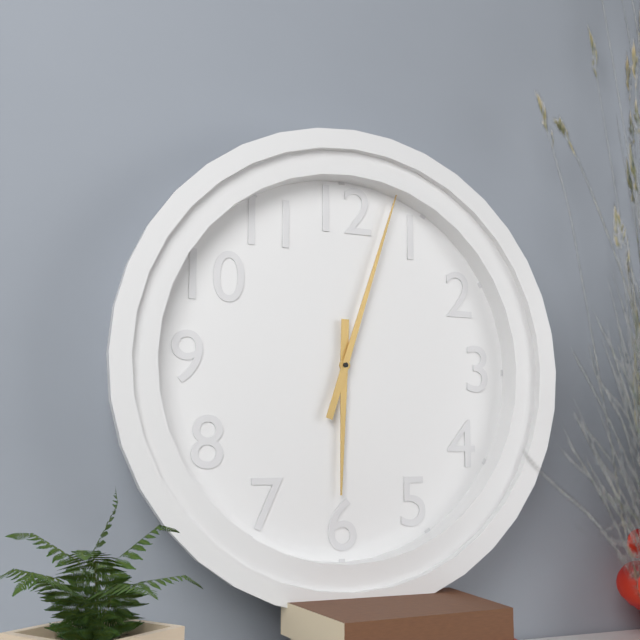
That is 6,03
